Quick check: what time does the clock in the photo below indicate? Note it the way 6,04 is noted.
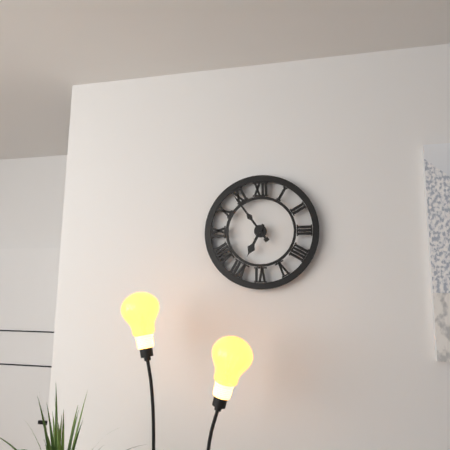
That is 6,54
